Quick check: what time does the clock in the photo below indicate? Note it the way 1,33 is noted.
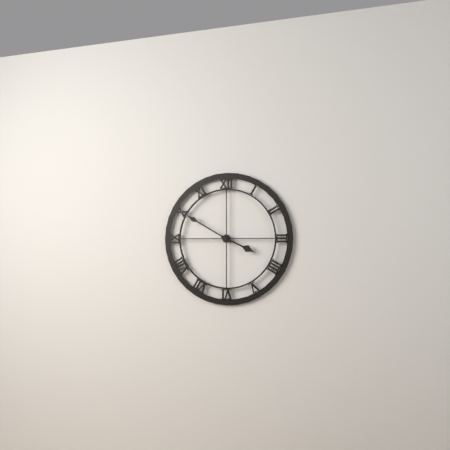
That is 3,50
